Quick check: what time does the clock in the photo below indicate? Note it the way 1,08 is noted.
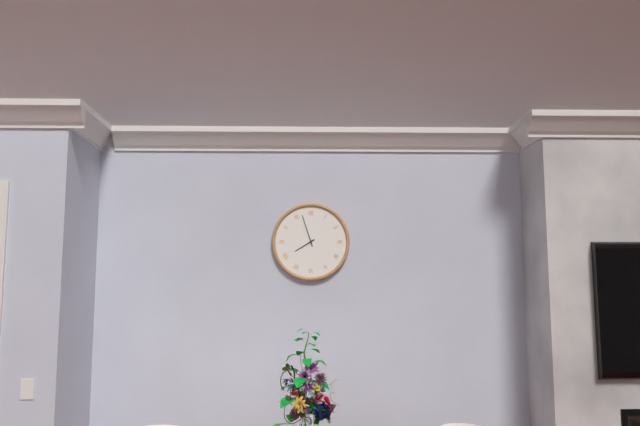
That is 7,57
